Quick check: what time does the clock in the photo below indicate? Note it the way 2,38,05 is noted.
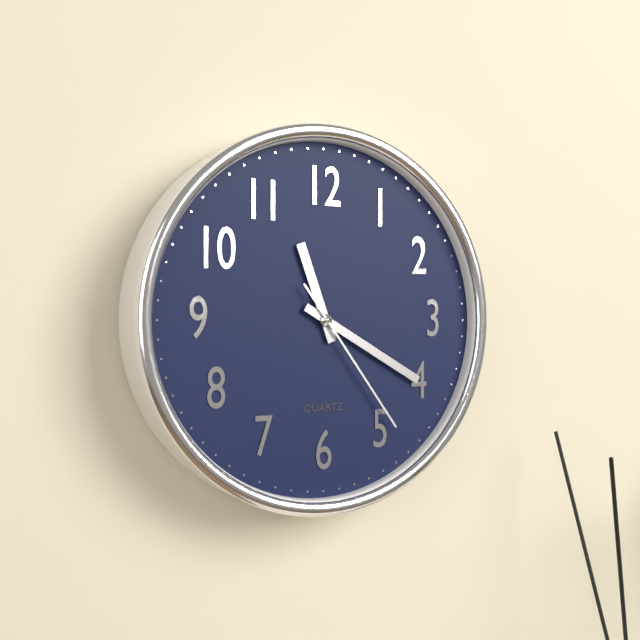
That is 11,20,24
